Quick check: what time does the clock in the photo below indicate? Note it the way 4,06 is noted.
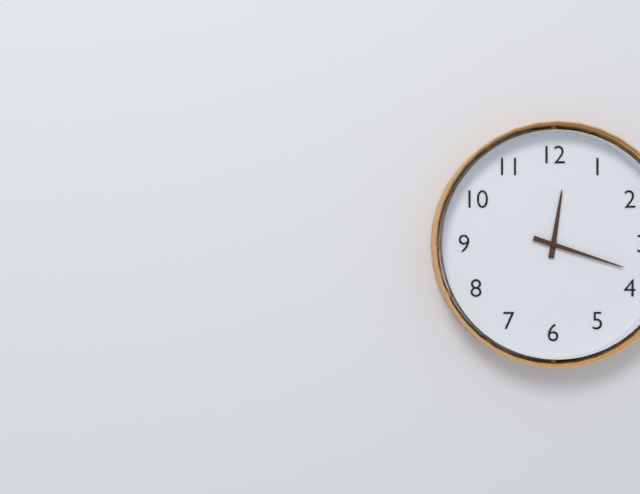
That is 12,18
